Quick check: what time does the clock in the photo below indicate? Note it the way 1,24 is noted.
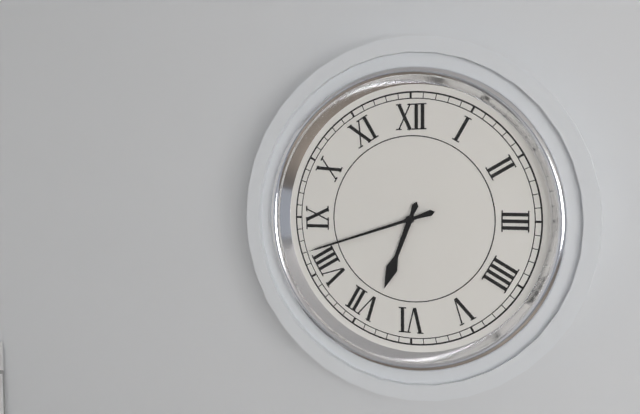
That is 6,42
